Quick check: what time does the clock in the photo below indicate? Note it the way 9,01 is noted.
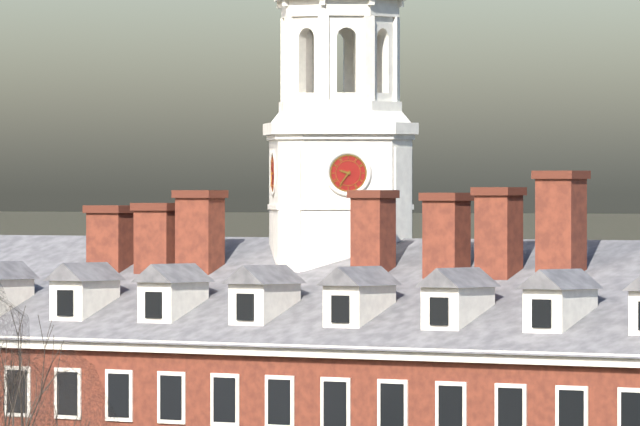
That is 9,36
